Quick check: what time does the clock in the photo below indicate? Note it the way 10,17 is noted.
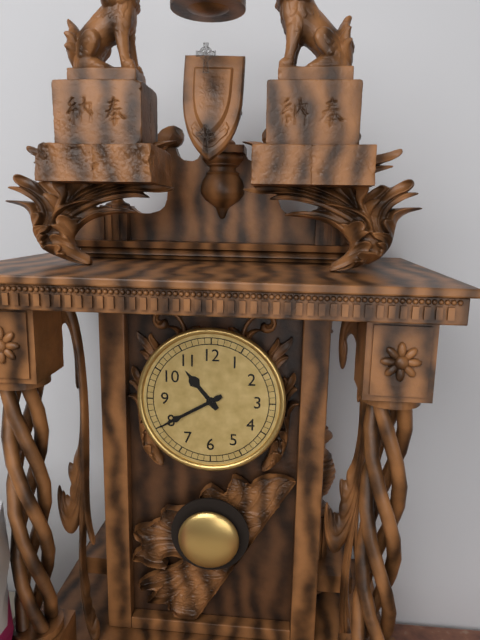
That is 10,40
